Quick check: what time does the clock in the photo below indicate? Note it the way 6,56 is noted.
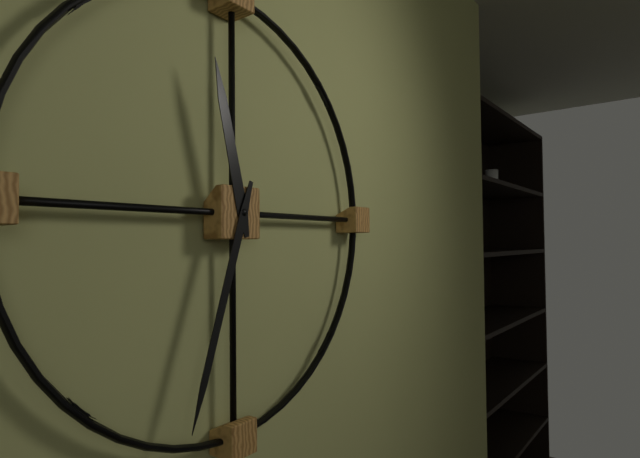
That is 11,33
